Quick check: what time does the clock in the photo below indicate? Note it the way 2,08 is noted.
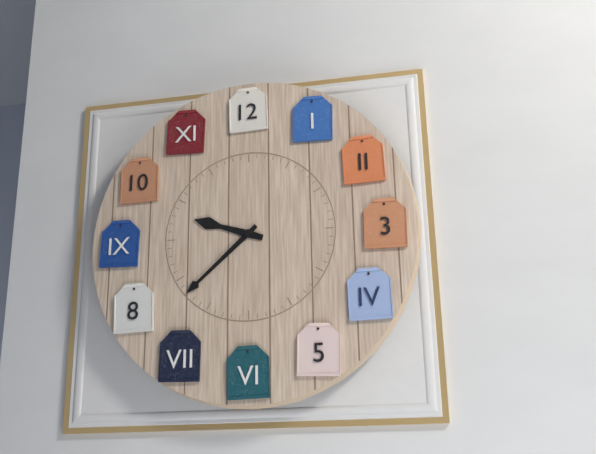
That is 9,38
